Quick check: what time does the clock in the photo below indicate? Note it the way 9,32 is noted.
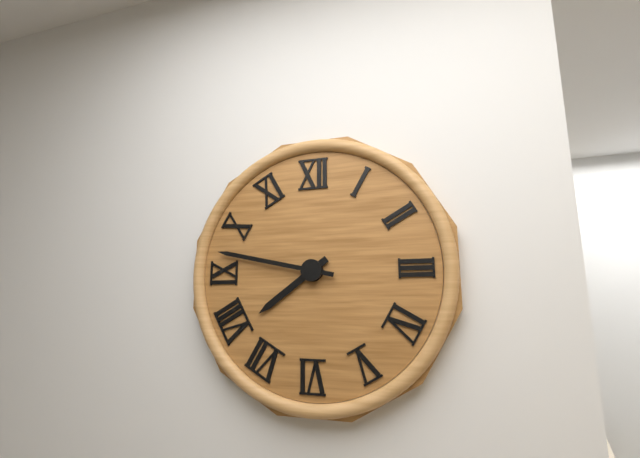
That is 7,47
